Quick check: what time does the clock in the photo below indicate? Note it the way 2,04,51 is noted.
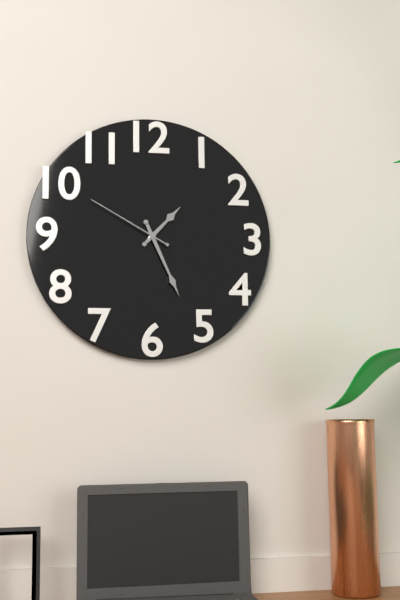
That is 1,26,50
